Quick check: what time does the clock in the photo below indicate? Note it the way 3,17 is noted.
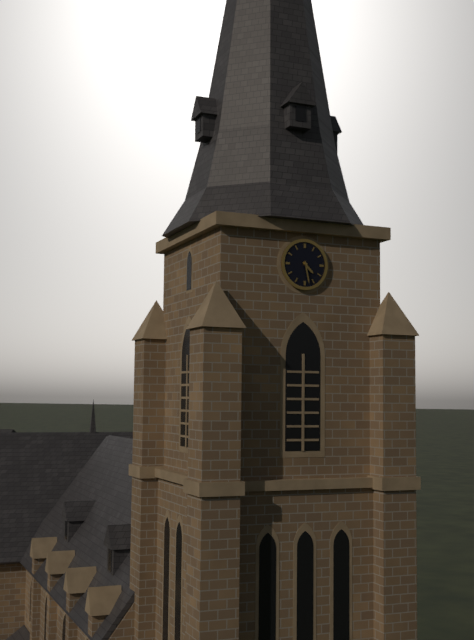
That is 4,28
